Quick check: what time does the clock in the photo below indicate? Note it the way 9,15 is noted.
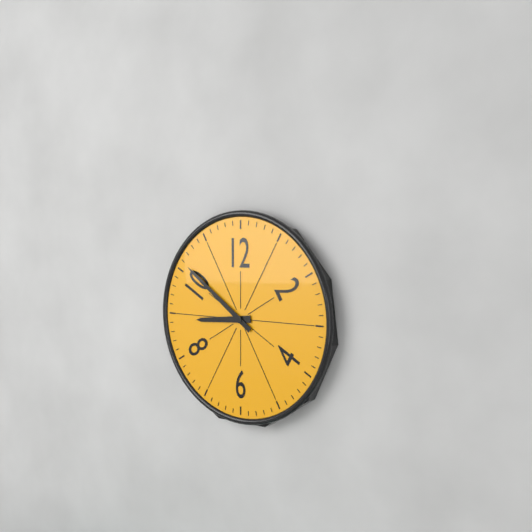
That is 8,51
